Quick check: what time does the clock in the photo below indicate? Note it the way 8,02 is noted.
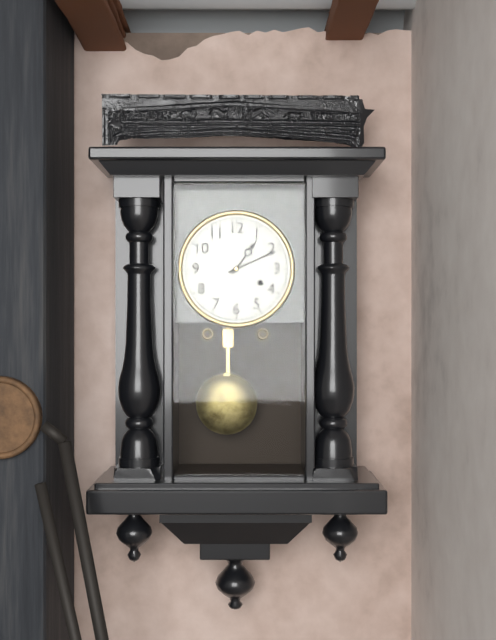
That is 1,11
